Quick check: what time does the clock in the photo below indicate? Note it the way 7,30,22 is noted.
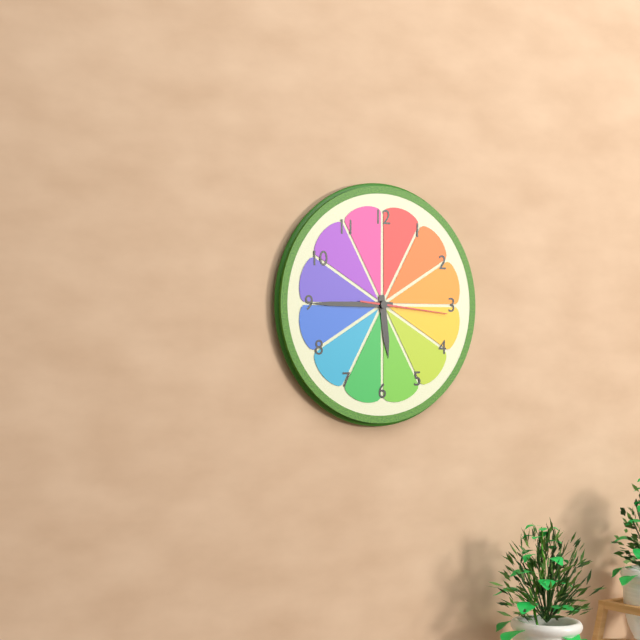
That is 5,45,16
